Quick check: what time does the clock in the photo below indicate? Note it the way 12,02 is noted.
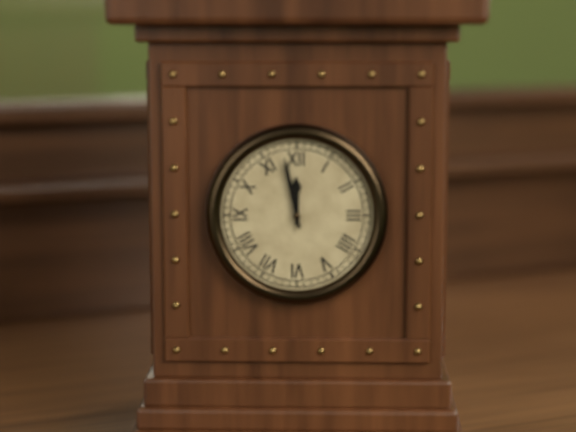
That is 11,58
